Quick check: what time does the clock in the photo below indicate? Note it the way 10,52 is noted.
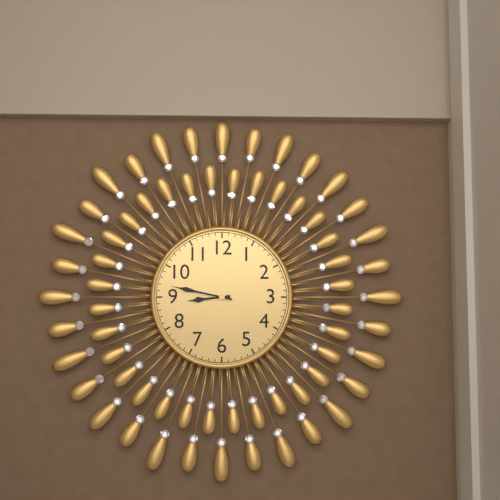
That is 8,47
